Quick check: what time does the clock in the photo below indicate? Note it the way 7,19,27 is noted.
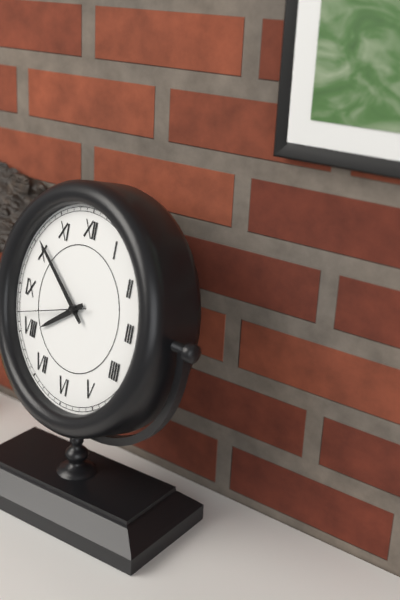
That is 7,51,42
